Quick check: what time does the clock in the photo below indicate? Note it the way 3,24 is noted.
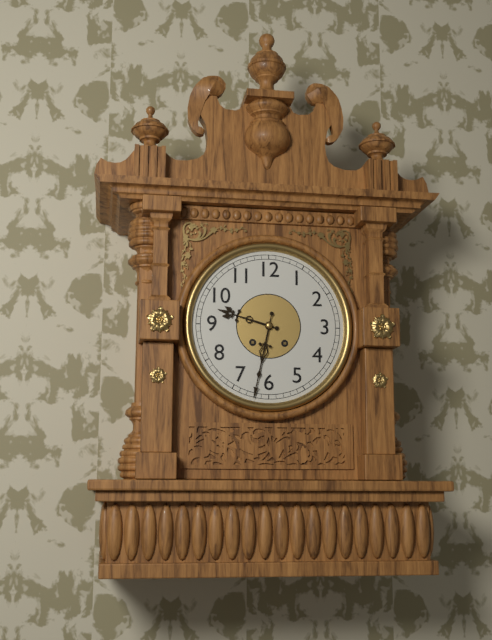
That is 9,32
